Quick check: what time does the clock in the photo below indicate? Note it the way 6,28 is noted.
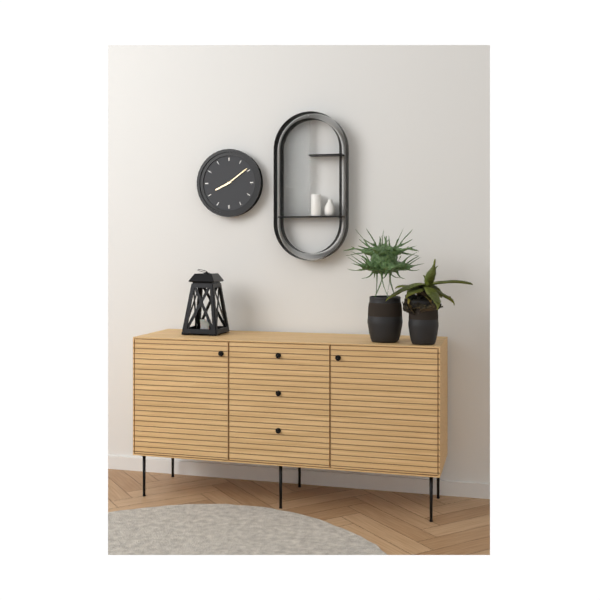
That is 8,09
